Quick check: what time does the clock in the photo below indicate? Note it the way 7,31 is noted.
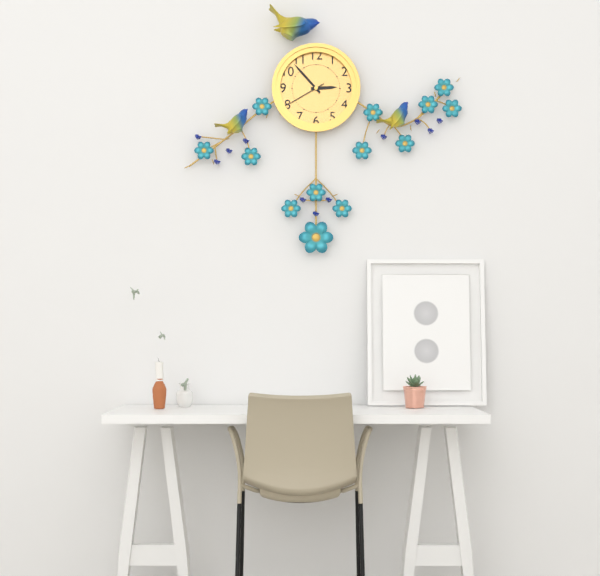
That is 2,53
